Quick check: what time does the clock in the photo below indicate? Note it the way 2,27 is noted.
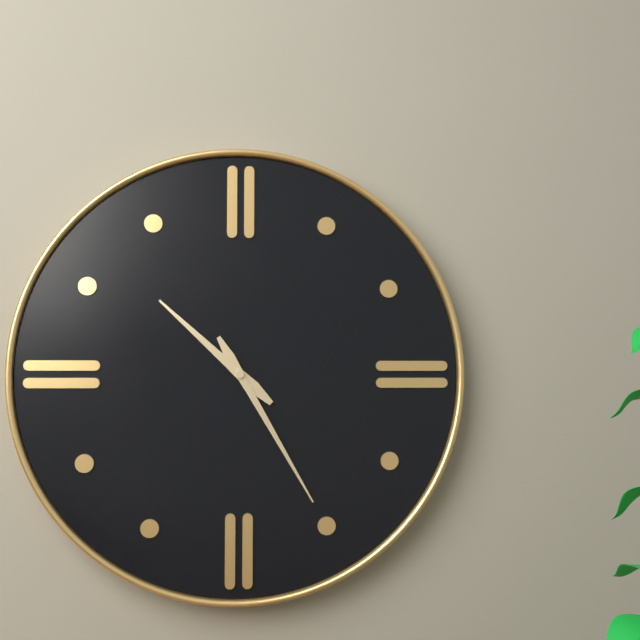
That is 10,25
